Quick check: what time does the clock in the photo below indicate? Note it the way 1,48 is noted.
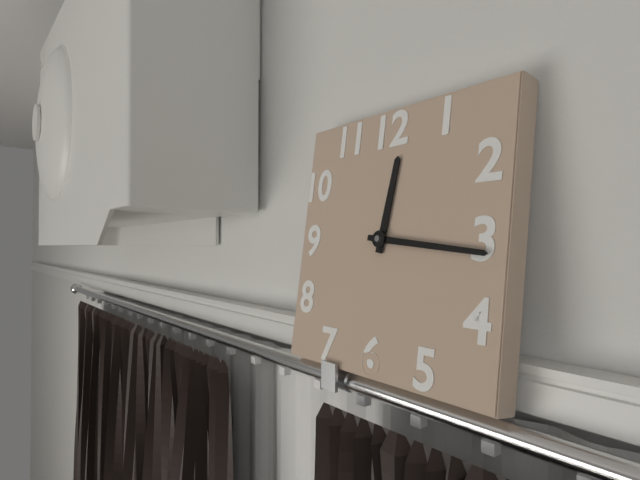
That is 12,16
